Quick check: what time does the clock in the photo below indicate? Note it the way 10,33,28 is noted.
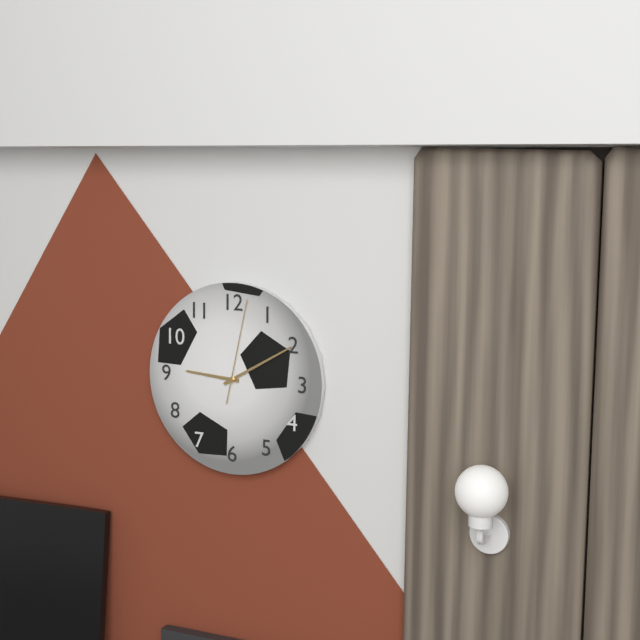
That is 9,10,02
